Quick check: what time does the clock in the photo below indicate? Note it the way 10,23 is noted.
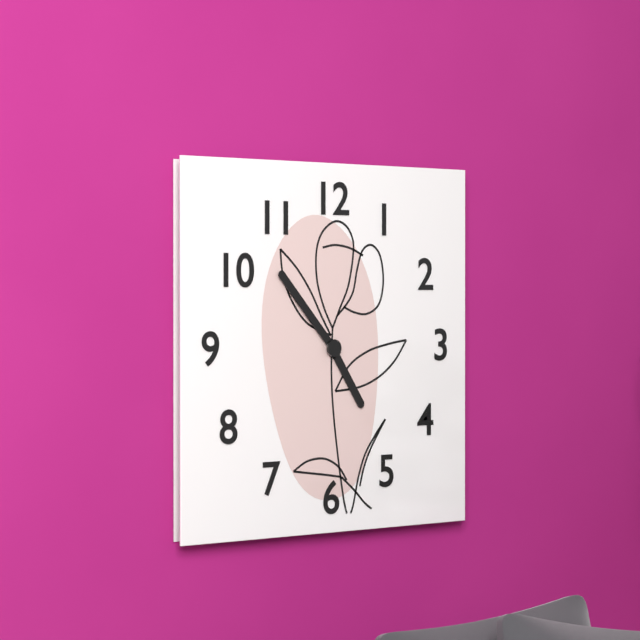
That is 4,53
